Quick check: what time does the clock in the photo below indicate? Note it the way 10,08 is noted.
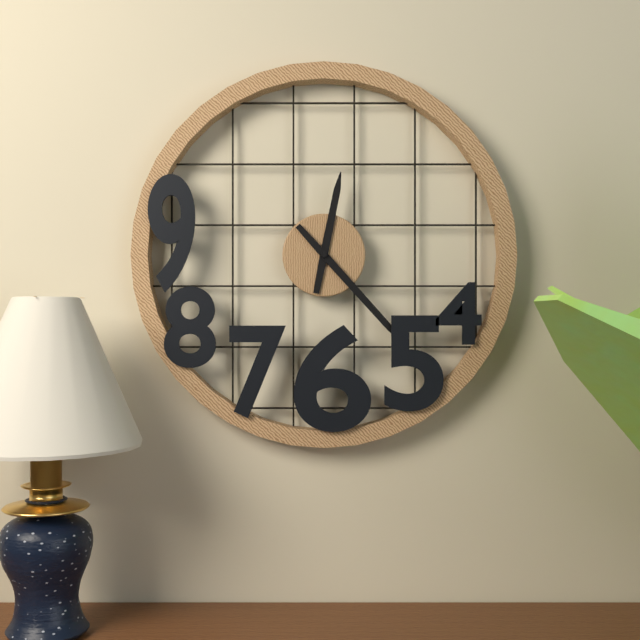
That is 12,23
